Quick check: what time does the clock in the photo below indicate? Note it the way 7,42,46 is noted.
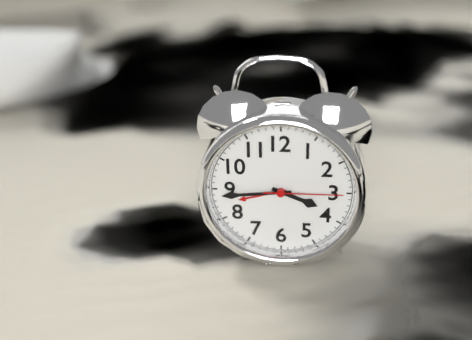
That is 3,44,15
